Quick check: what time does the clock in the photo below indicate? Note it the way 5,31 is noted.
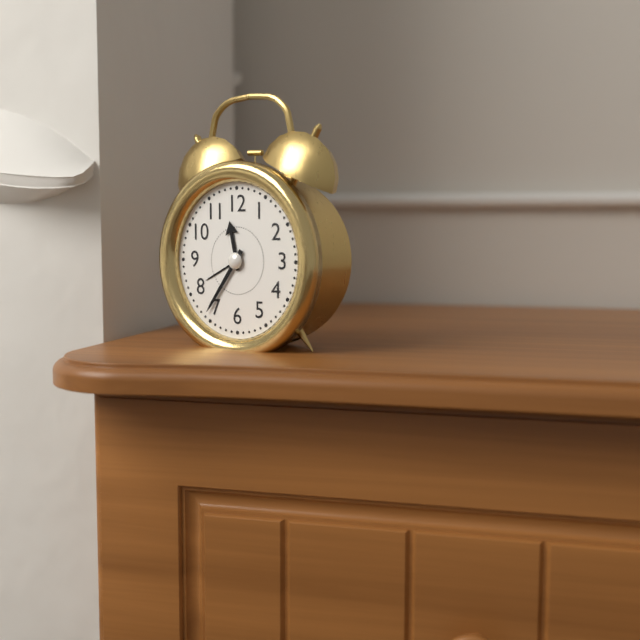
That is 11,36
